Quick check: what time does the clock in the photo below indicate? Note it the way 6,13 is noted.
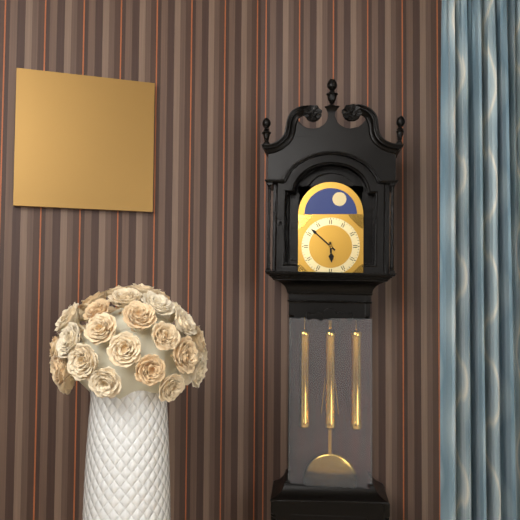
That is 5,52
